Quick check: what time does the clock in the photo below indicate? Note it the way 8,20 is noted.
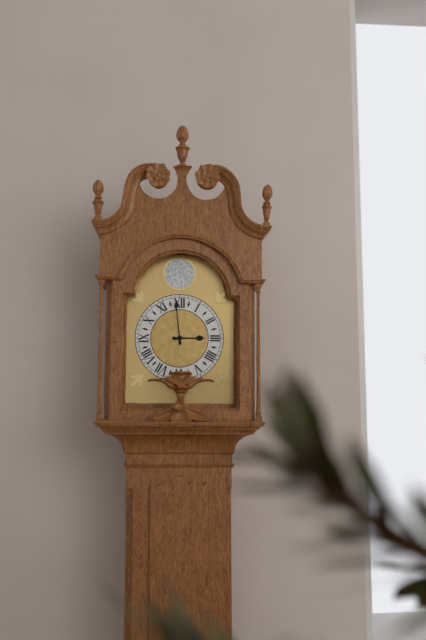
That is 2,59
